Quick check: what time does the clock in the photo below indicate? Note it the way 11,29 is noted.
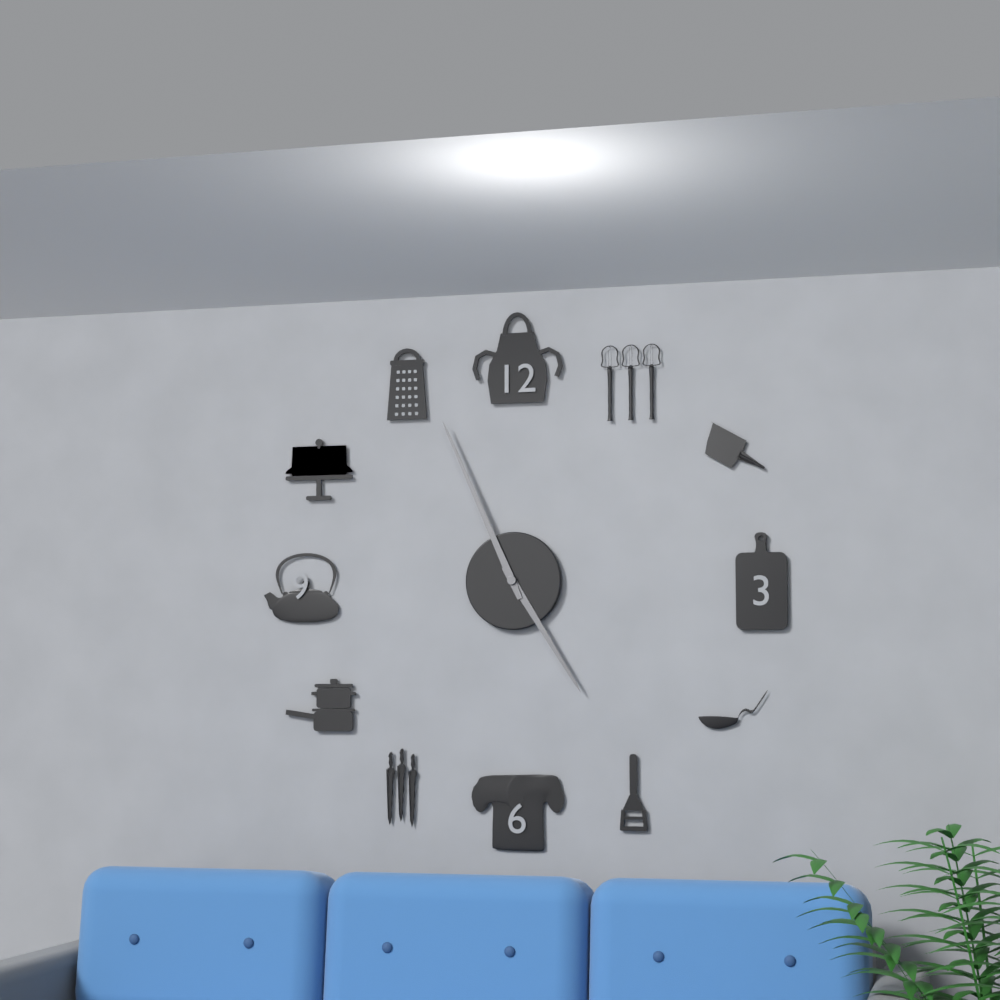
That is 4,56
